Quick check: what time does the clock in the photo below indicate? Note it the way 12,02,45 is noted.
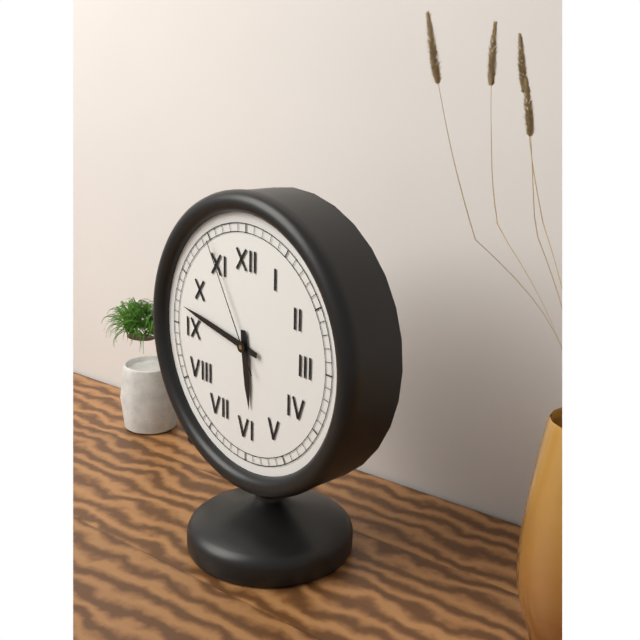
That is 5,47,55
